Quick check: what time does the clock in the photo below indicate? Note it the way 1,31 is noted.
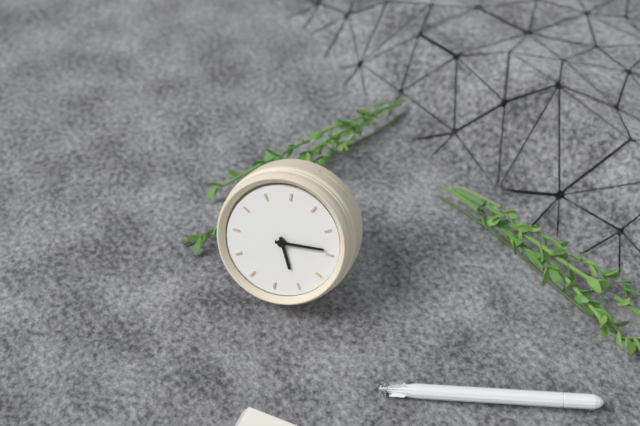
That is 4,09
